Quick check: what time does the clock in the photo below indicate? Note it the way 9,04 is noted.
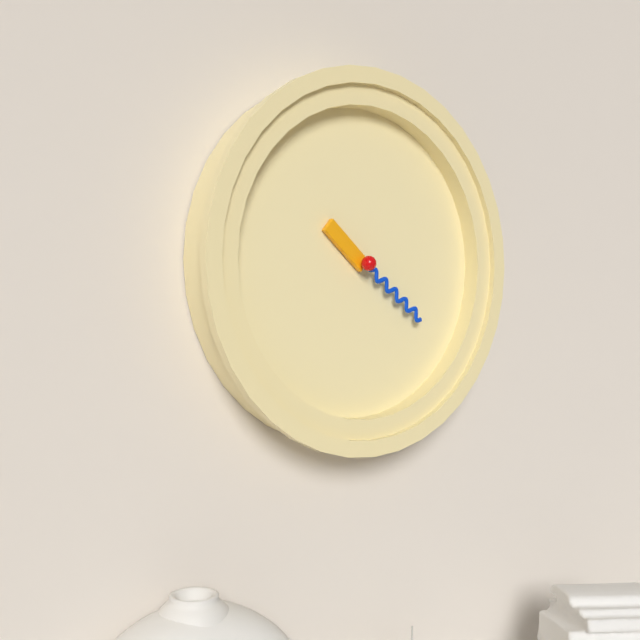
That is 10,21
